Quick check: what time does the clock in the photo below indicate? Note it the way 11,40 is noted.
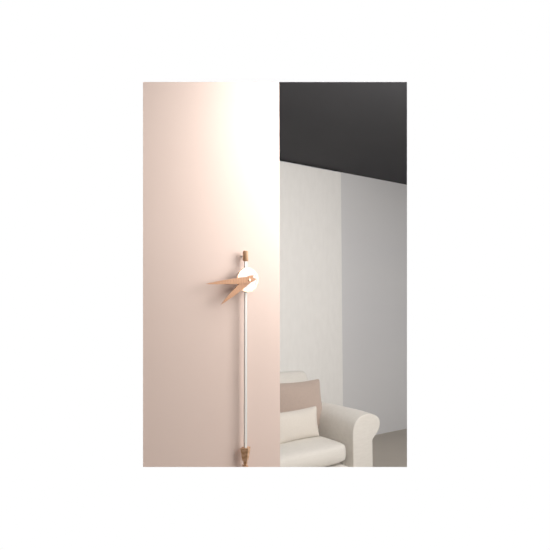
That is 7,44
